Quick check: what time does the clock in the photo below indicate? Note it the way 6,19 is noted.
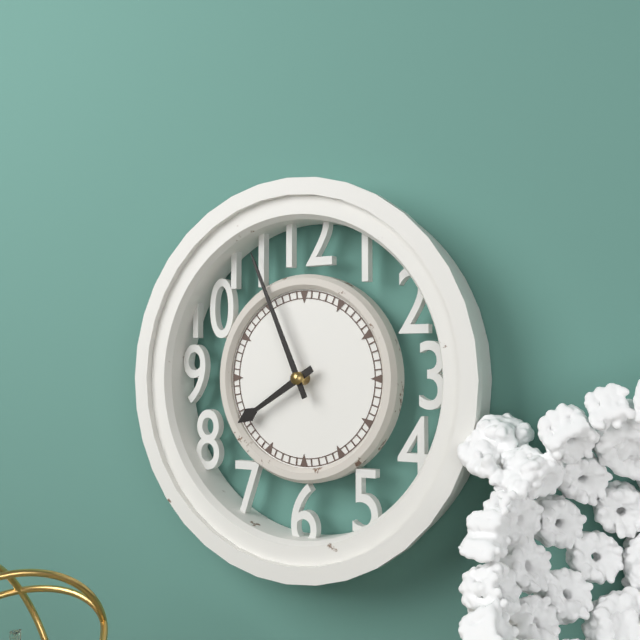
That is 7,56
